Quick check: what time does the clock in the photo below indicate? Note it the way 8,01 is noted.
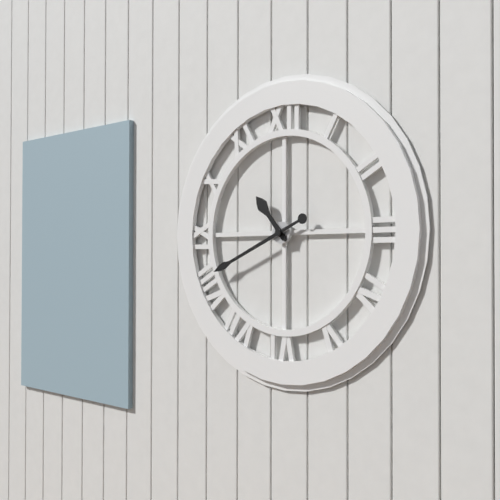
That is 10,41
